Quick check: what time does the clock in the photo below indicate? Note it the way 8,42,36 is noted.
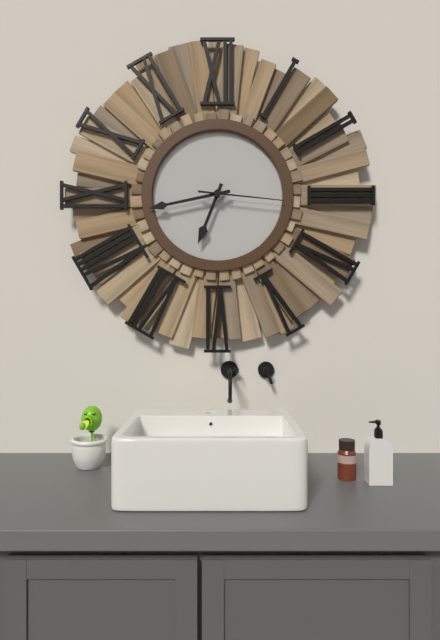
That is 6,43,16
